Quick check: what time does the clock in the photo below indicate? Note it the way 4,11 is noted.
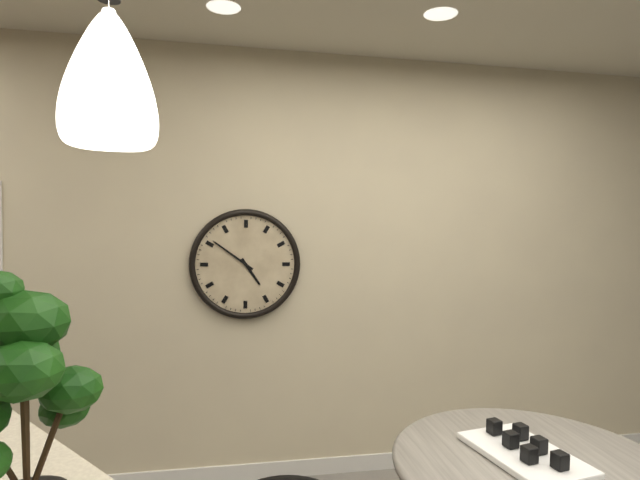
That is 4,51
